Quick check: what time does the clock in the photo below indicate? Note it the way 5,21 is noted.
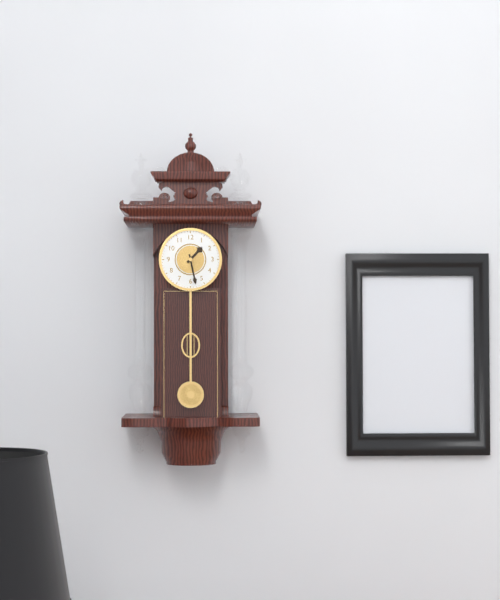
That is 1,28
